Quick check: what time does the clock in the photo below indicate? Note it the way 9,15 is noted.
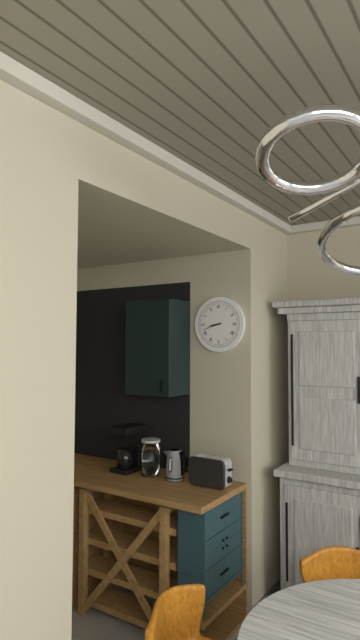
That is 8,42
